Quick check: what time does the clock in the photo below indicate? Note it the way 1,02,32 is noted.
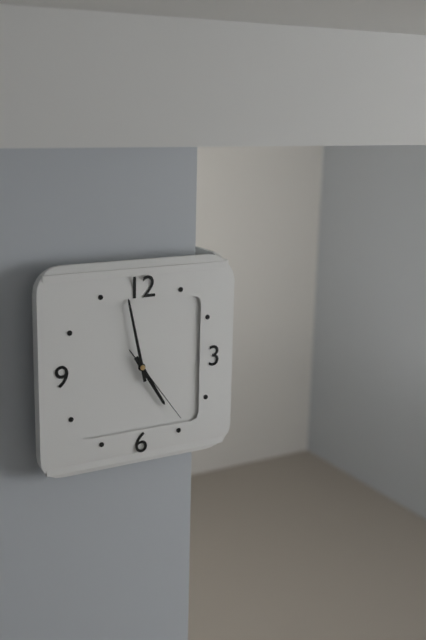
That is 4,58,24
